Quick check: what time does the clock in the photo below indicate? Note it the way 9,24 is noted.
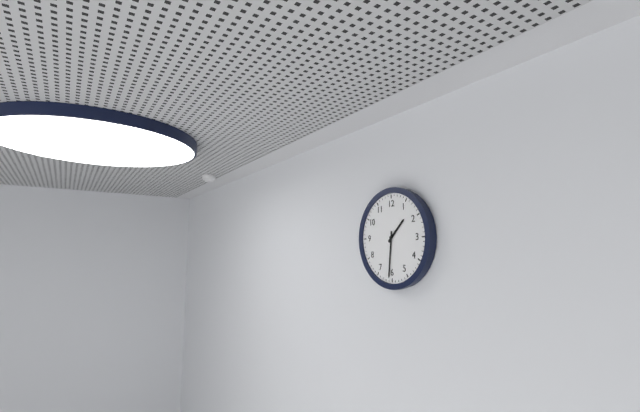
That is 1,31
